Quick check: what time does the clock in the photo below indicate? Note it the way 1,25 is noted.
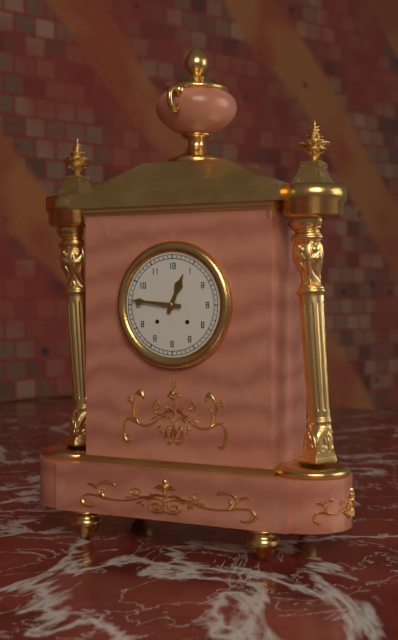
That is 12,46
